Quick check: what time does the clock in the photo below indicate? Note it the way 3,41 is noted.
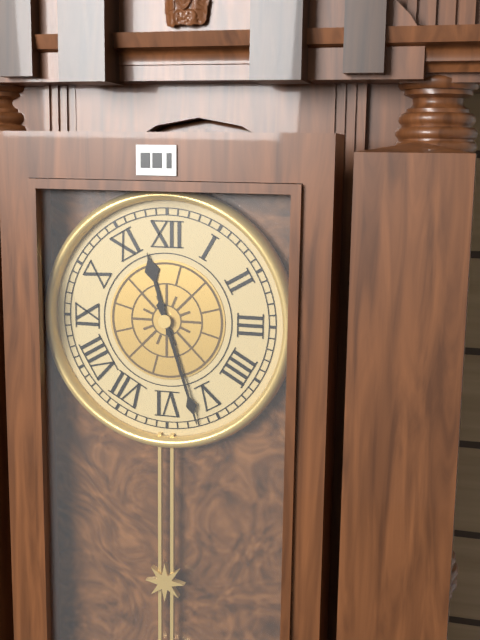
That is 11,27
